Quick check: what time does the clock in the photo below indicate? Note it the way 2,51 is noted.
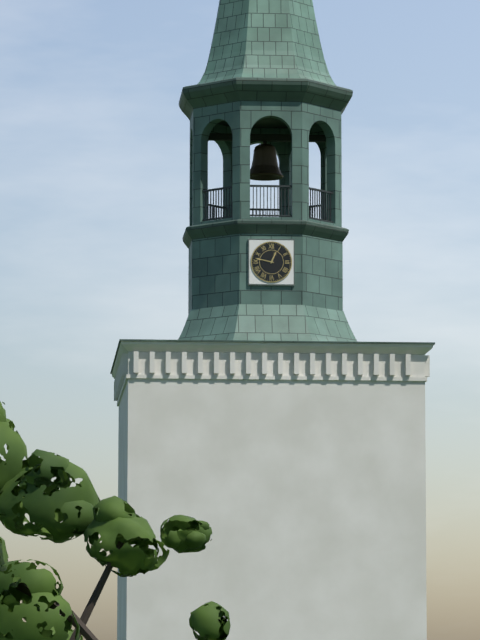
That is 12,47
